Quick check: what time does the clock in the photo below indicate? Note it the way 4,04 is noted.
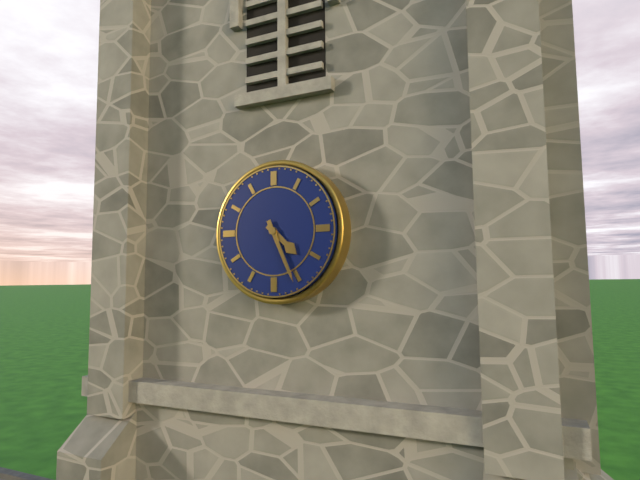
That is 4,26
